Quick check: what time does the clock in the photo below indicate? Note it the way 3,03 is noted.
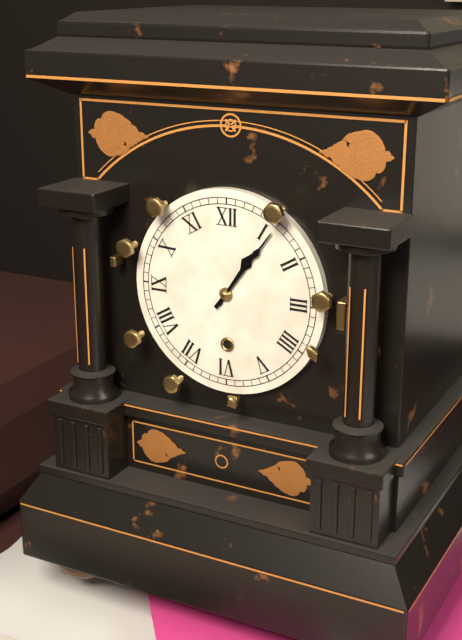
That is 1,06
